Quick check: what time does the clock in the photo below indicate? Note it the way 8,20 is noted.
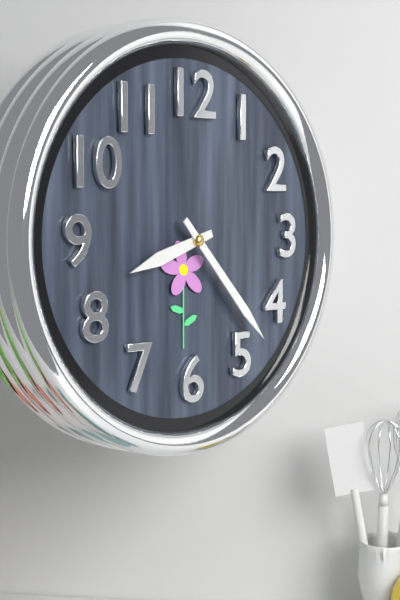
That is 8,23
